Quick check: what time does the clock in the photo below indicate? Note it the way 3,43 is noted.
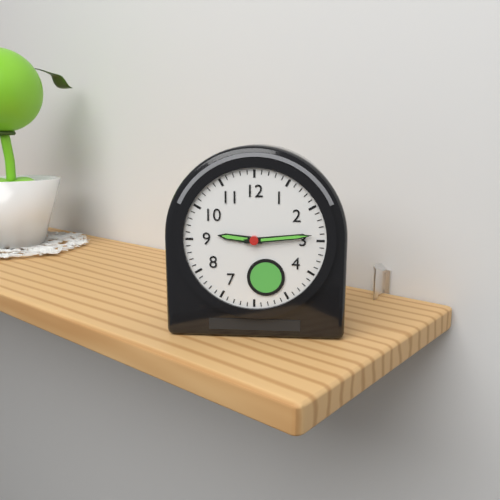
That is 9,14
